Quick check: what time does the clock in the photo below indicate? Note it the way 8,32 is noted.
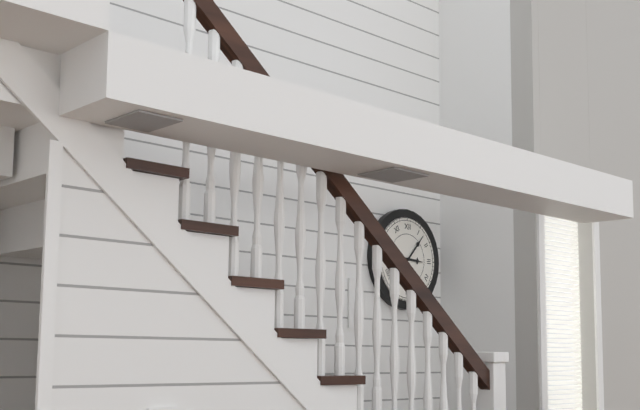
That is 3,07
